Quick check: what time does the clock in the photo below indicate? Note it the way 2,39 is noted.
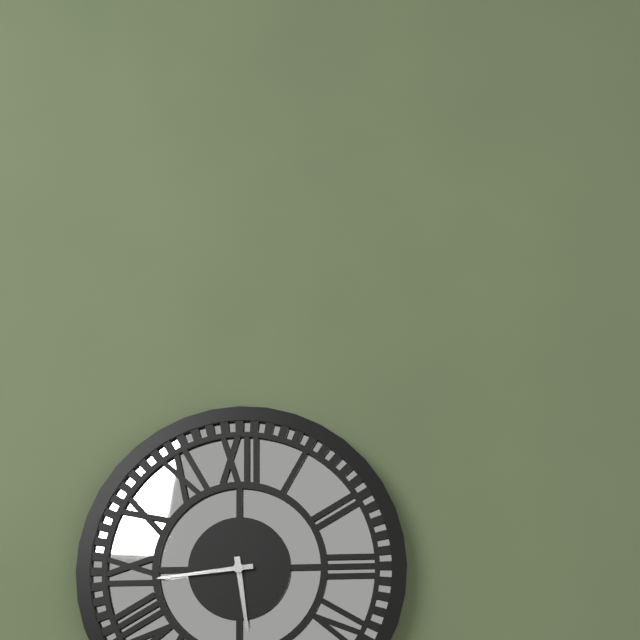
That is 5,44
